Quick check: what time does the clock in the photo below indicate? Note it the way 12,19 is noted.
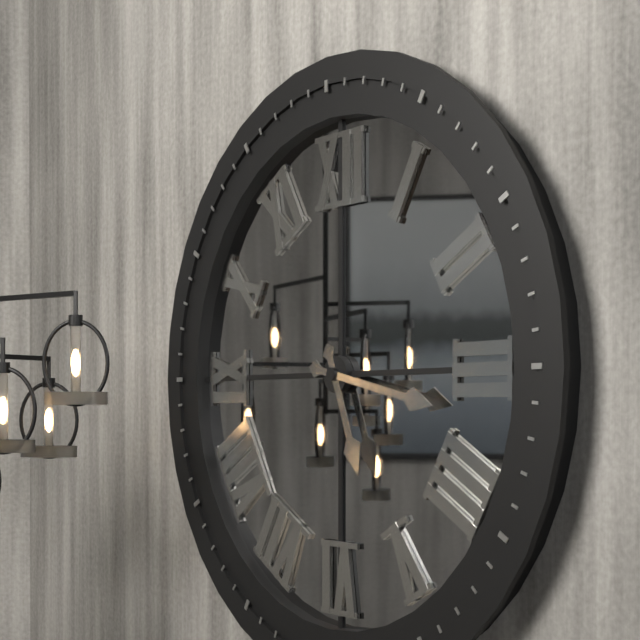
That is 5,17
